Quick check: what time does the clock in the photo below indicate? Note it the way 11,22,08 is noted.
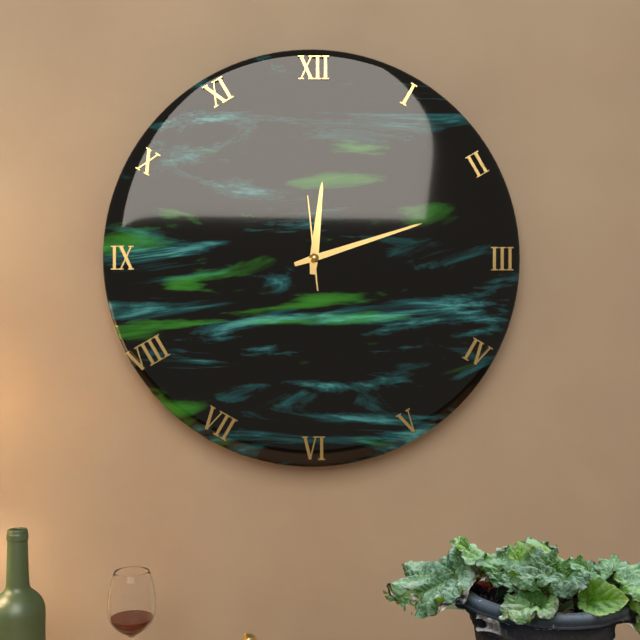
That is 12,12,59
